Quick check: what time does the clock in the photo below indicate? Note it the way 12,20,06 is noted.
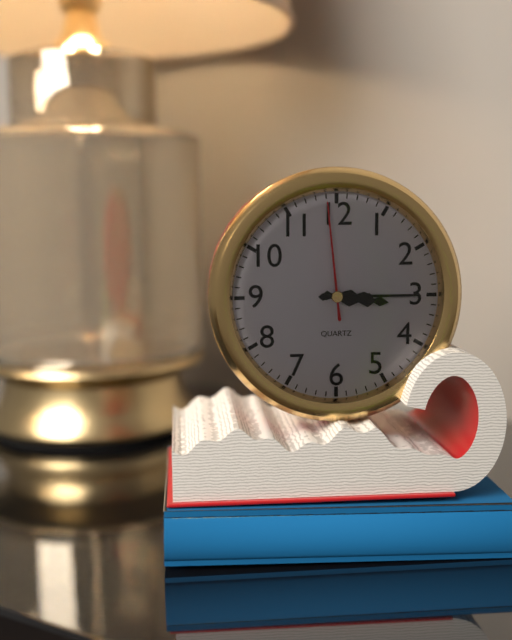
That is 3,15,59
